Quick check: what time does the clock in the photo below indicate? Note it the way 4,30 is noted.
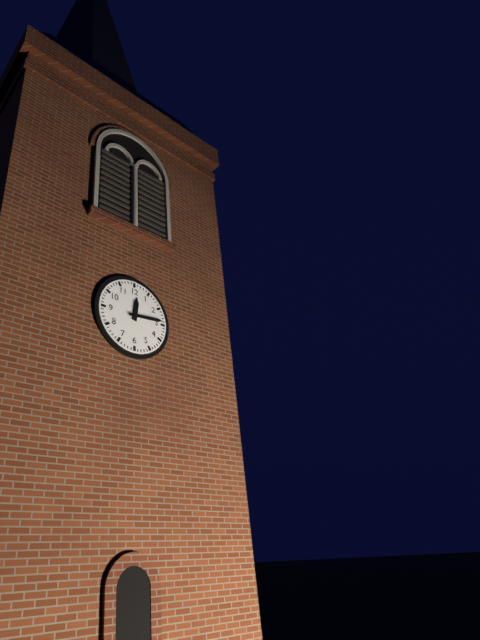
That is 12,14
